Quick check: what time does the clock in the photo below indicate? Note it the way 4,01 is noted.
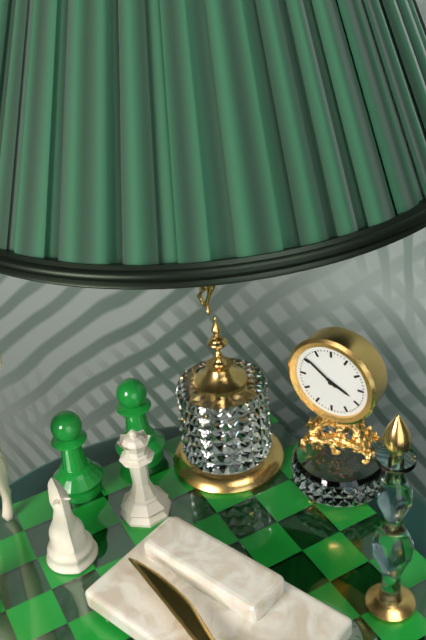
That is 3,51
